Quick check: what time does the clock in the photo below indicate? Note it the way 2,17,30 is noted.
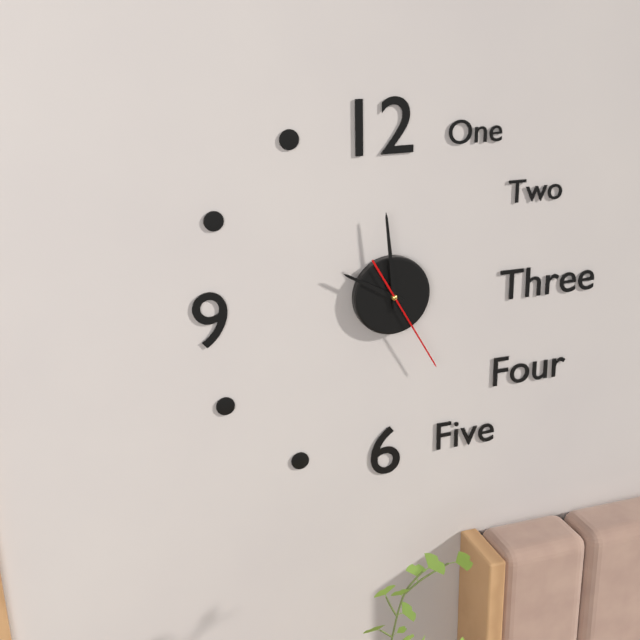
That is 9,59,25
